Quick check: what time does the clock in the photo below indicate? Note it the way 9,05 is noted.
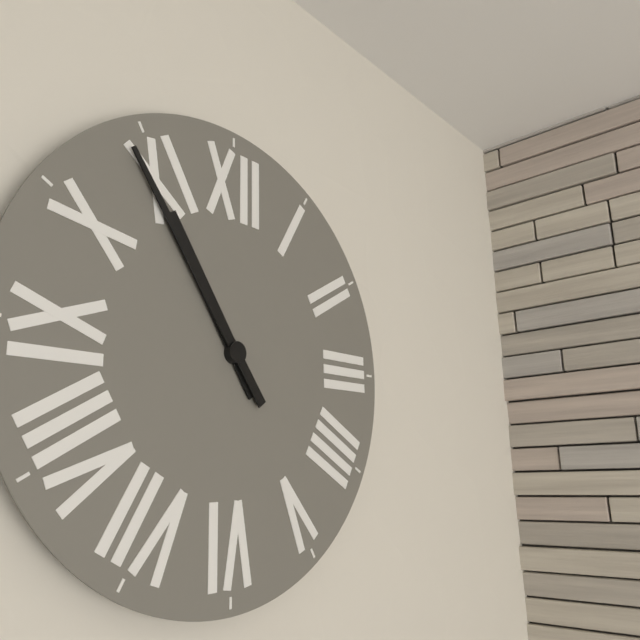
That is 10,54
